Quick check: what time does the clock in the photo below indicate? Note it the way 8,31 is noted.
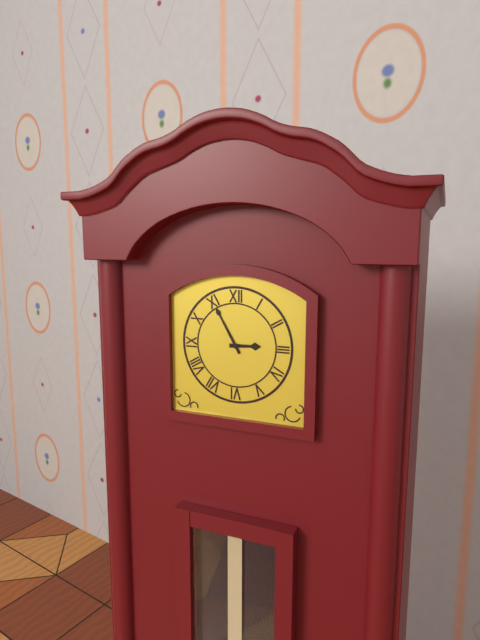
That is 2,55
